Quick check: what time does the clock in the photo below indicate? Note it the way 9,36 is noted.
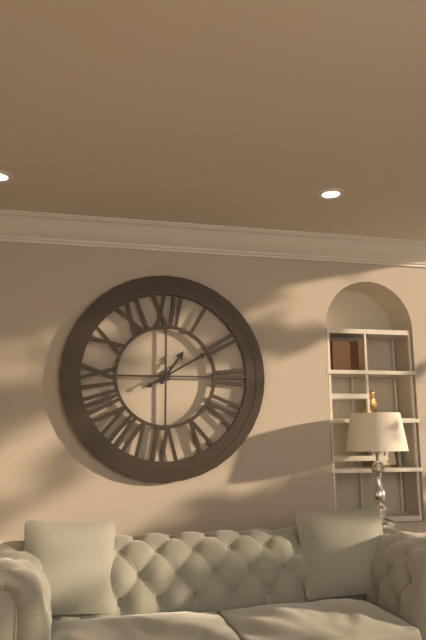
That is 1,10
